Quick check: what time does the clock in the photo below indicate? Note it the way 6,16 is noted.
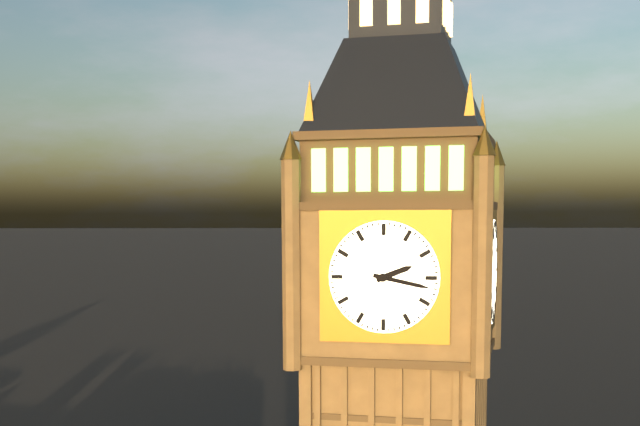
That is 2,17
